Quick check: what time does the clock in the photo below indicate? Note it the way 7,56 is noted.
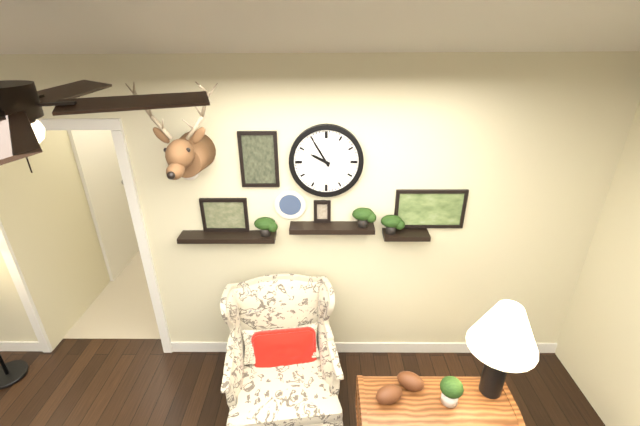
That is 9,55
